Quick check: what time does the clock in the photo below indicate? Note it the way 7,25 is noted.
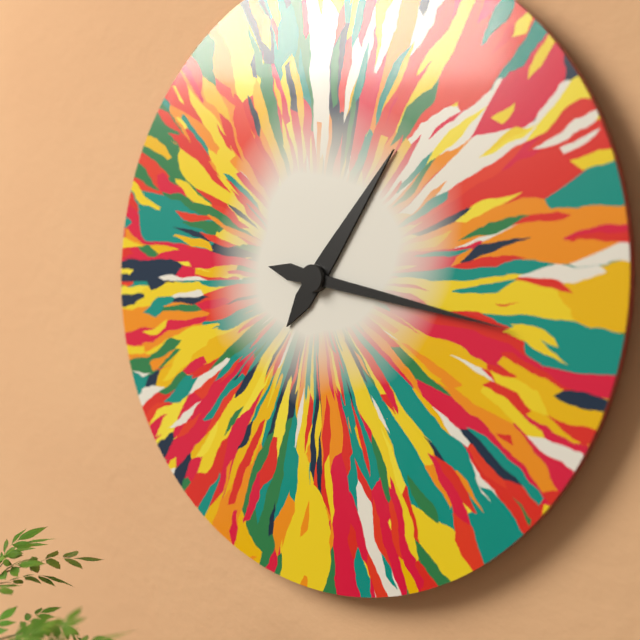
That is 1,17
